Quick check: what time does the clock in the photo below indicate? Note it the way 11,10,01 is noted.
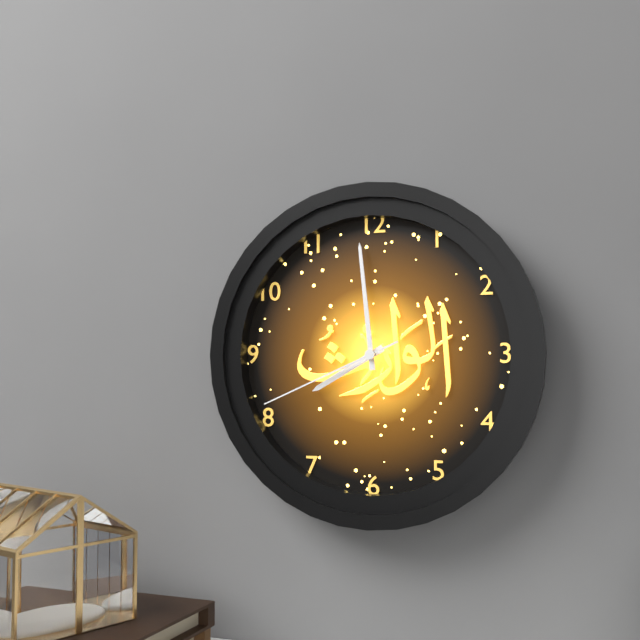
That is 7,59,41
